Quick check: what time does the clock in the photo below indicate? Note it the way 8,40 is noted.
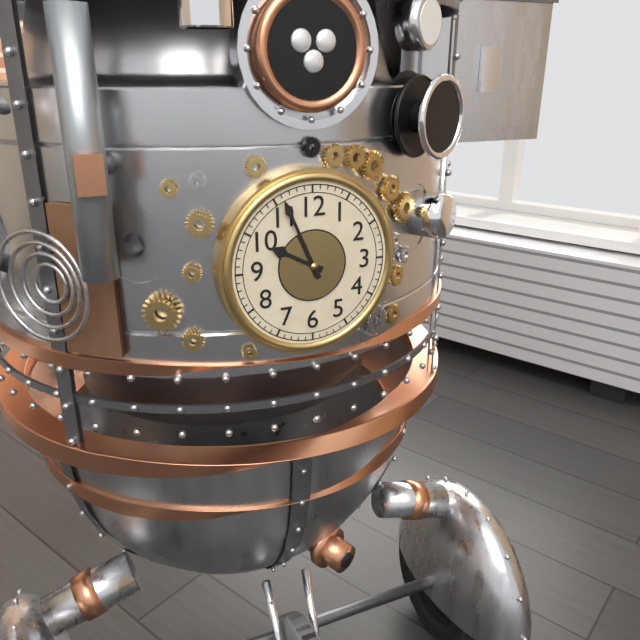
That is 9,56
